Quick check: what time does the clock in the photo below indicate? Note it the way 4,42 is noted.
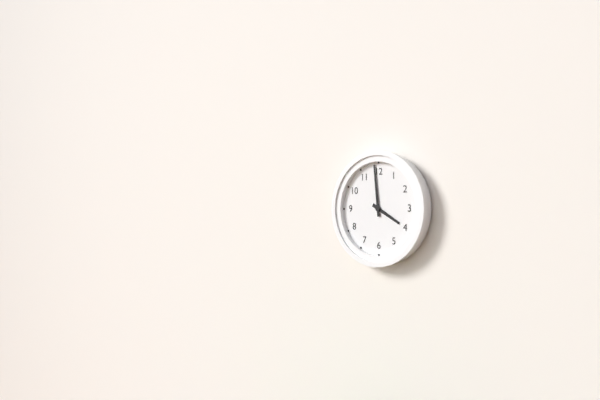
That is 3,59
